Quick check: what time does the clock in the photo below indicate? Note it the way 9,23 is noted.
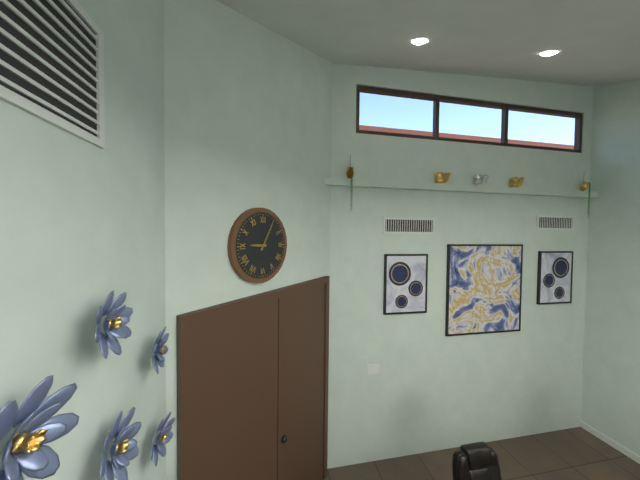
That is 9,05
